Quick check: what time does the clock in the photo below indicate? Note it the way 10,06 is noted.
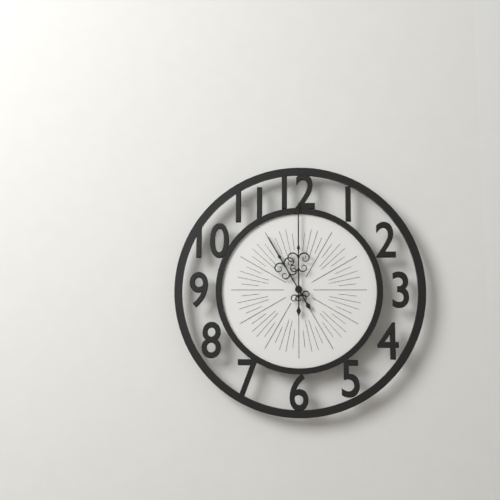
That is 11,00
